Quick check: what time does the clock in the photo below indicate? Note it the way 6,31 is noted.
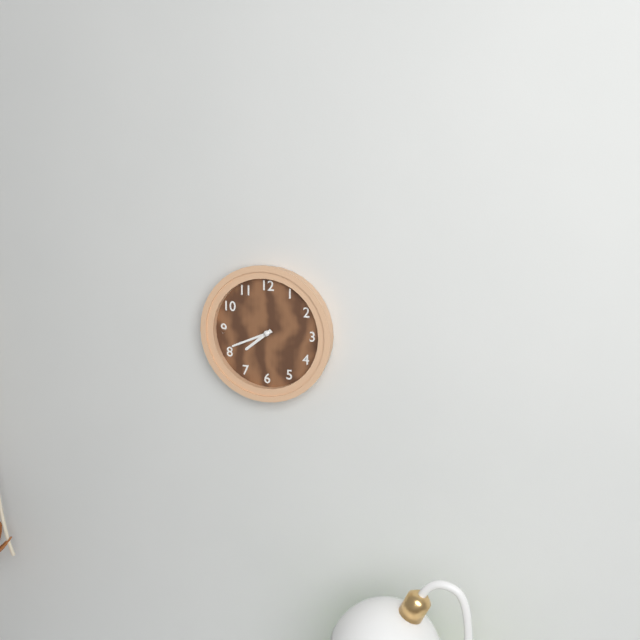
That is 7,41
